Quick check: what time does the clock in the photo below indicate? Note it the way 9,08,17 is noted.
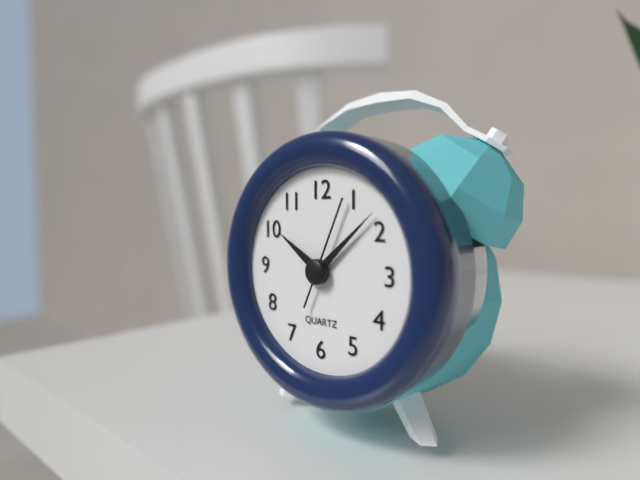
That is 10,08,04
